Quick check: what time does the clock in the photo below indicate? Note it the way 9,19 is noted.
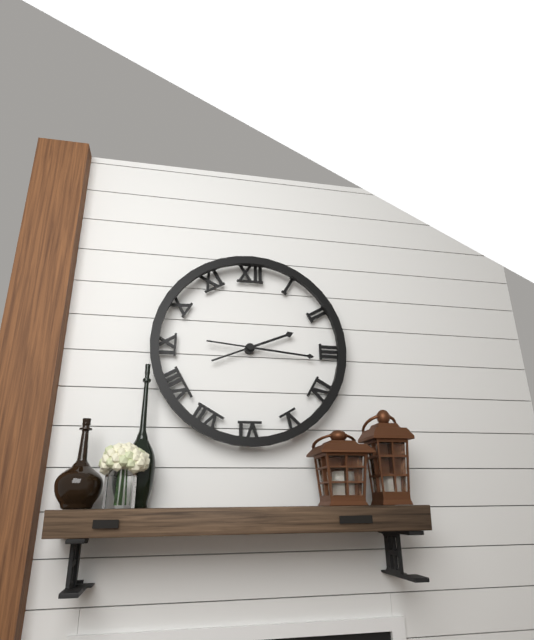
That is 2,16
